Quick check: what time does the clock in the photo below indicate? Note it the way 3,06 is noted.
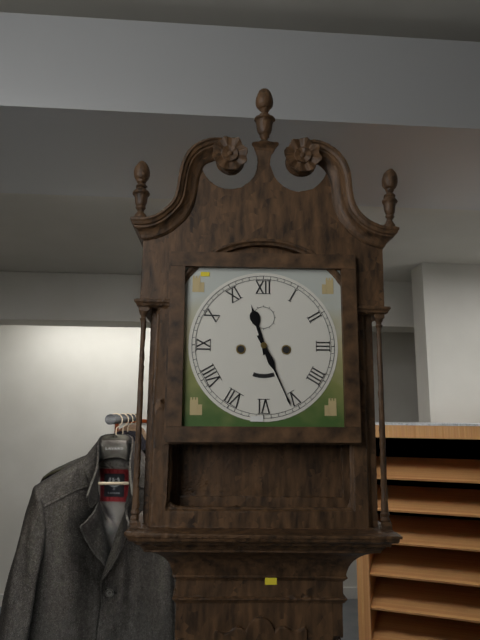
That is 11,26
